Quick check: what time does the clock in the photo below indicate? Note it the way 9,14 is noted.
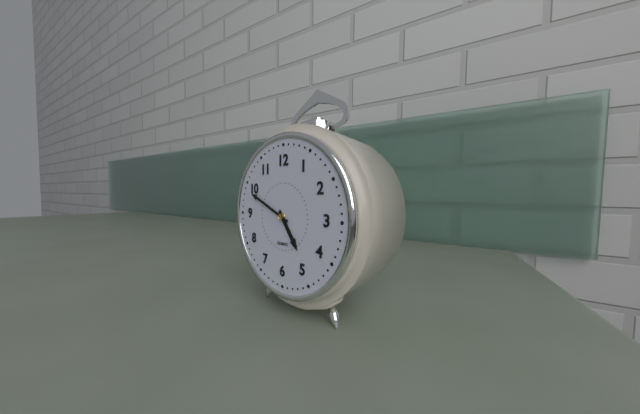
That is 4,49
